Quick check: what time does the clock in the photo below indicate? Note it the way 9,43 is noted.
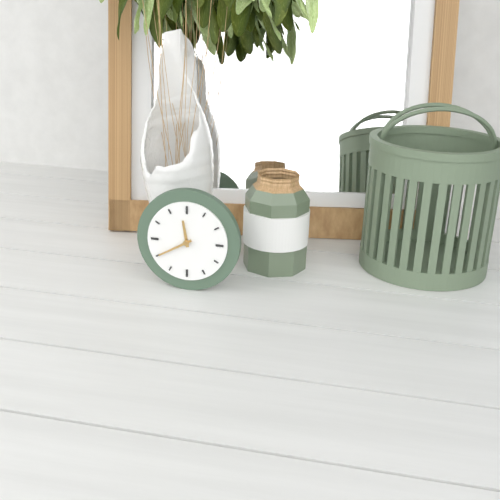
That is 11,40
